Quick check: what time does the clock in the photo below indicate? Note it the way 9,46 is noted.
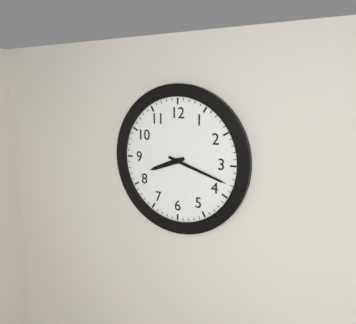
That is 8,18
